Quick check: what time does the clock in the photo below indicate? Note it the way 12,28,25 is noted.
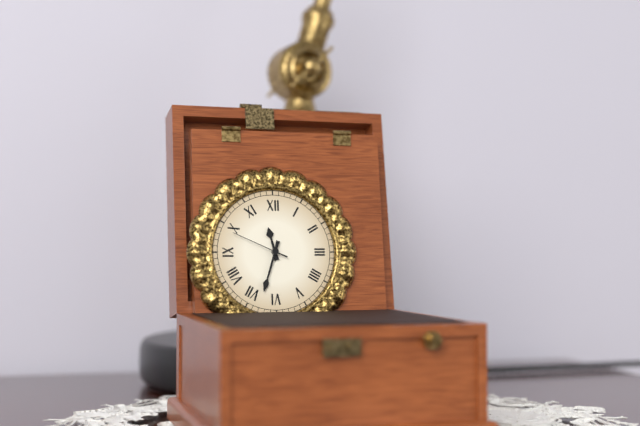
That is 11,33,49
